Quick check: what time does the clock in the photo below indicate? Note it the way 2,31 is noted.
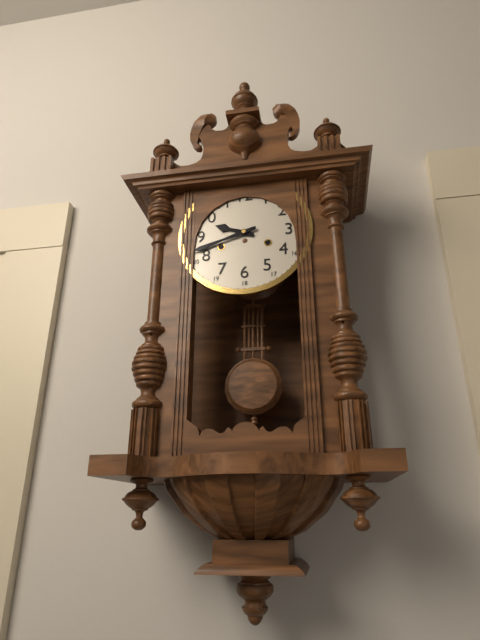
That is 9,42
